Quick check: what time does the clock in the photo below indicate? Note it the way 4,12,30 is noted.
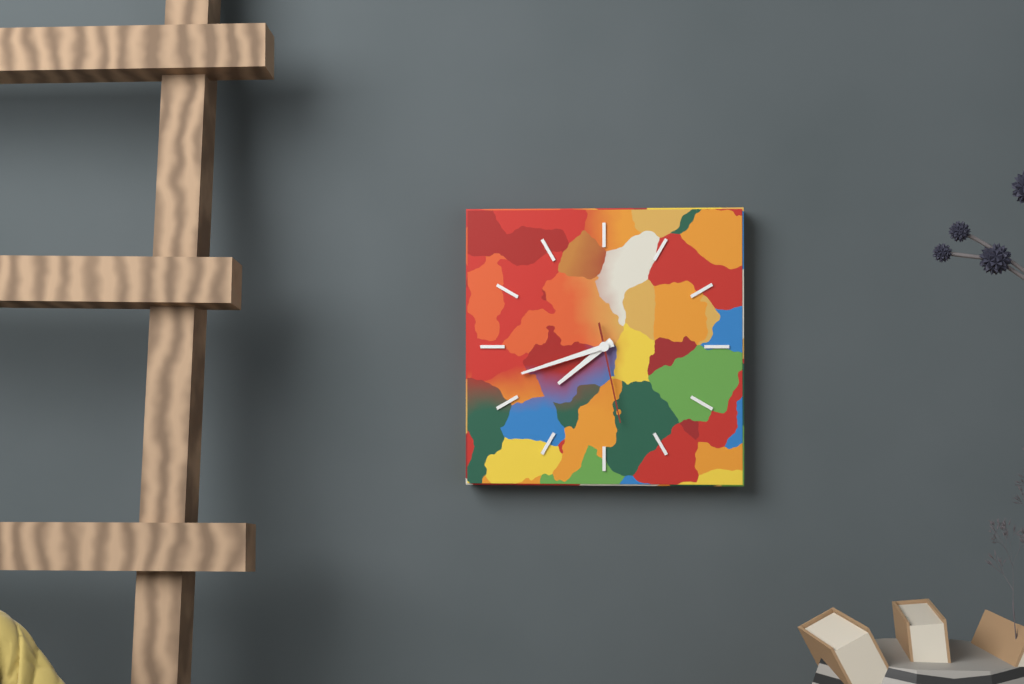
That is 7,42,28
